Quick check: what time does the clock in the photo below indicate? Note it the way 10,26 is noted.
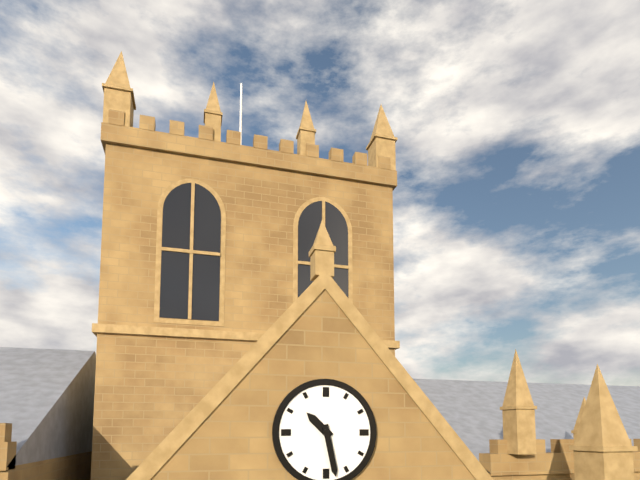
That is 10,28
